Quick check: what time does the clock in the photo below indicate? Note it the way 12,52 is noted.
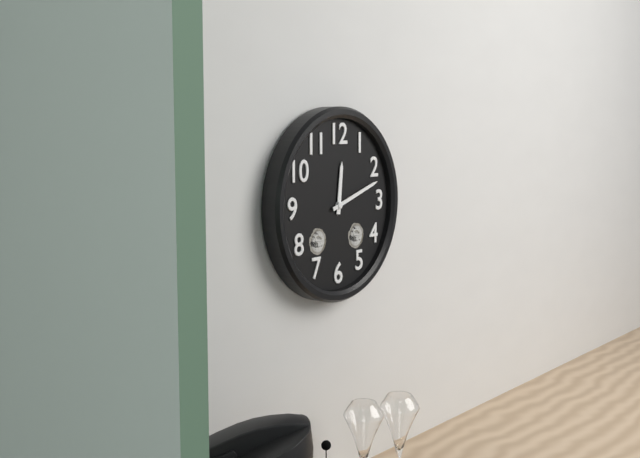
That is 12,12
